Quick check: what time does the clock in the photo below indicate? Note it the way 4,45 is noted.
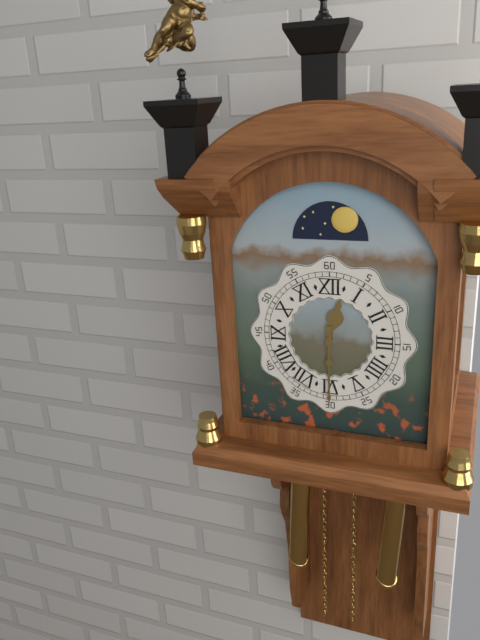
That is 12,30
